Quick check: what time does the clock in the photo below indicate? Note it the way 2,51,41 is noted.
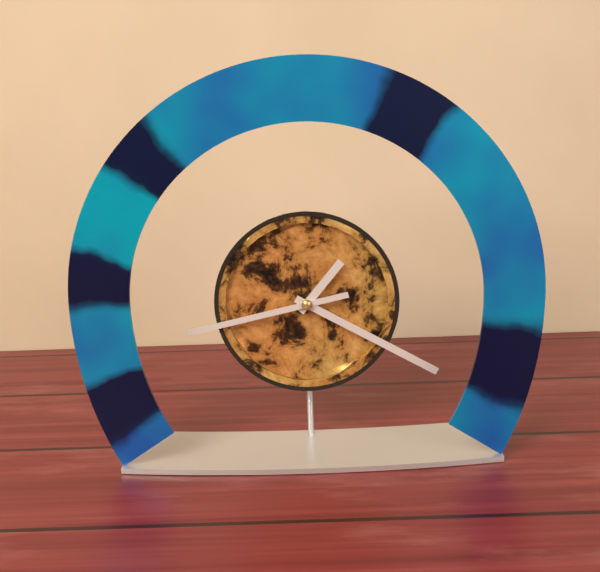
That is 1,20,43
